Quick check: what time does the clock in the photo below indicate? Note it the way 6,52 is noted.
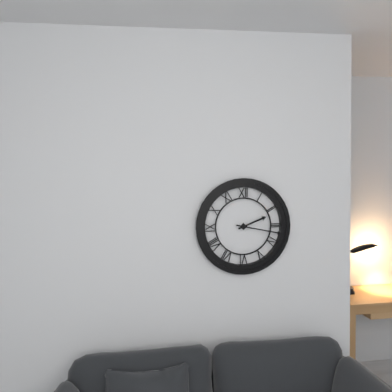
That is 2,17
